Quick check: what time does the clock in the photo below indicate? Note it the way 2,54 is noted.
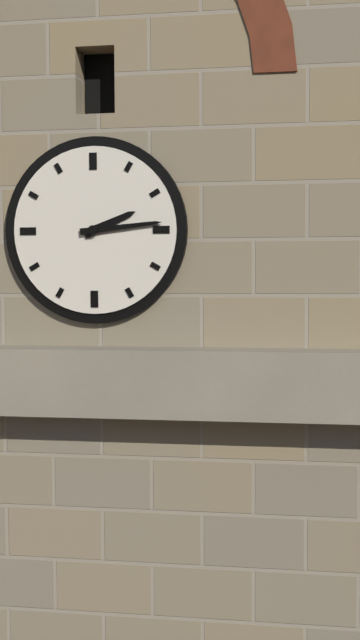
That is 2,14
